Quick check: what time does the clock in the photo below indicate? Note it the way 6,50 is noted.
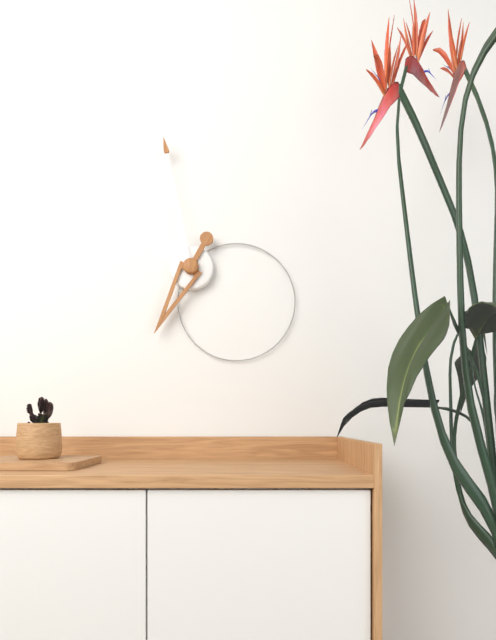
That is 6,58
